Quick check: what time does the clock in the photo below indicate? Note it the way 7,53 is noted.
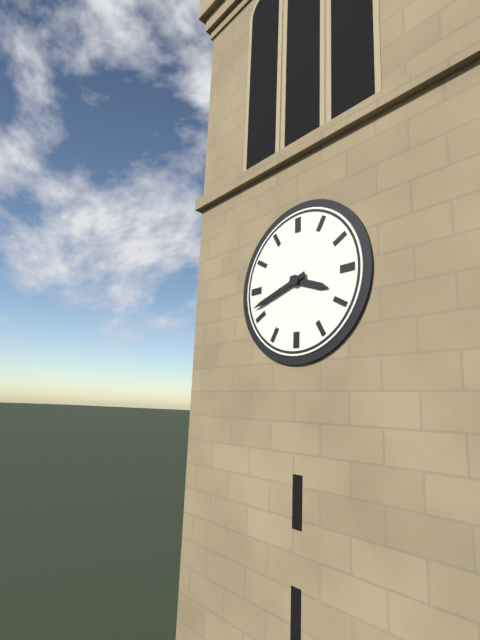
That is 3,42
